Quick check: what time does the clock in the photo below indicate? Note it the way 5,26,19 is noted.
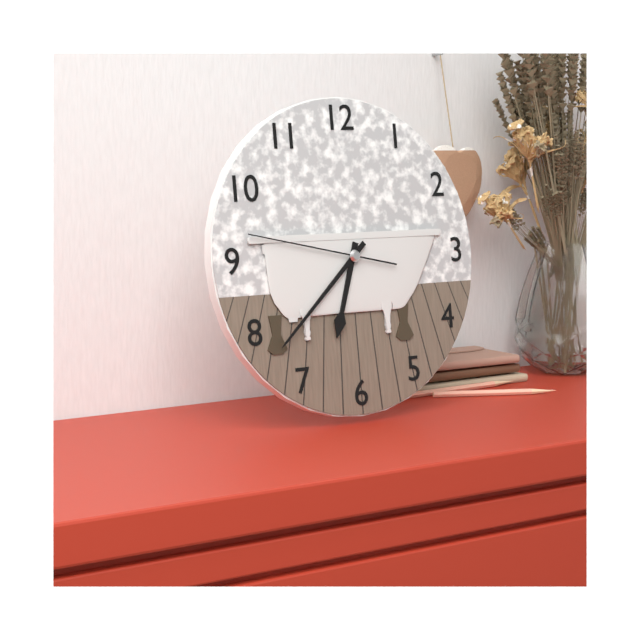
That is 6,38,47
